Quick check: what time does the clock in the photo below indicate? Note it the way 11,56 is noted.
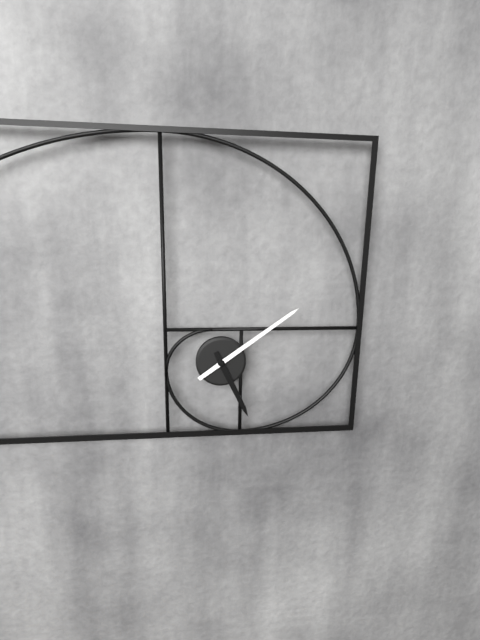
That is 5,09
